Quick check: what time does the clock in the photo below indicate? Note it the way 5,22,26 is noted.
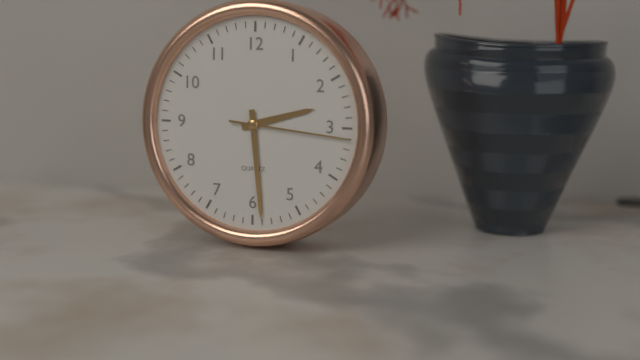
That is 2,29,16
